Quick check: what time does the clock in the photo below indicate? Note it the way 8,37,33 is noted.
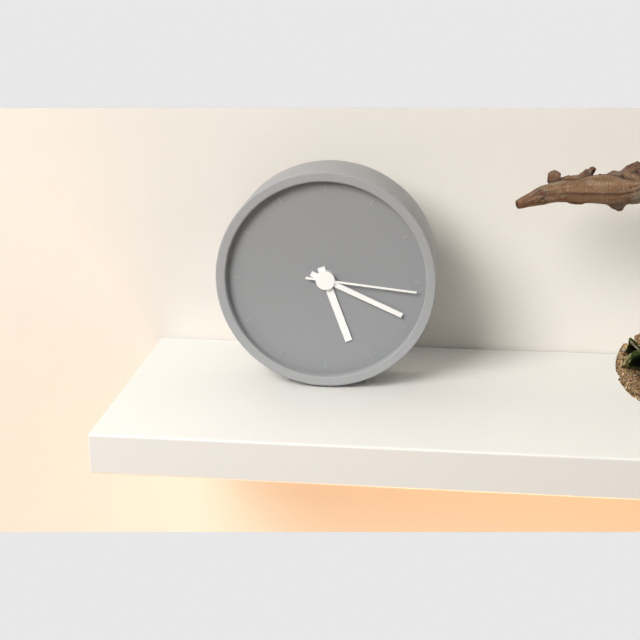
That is 5,19,16
